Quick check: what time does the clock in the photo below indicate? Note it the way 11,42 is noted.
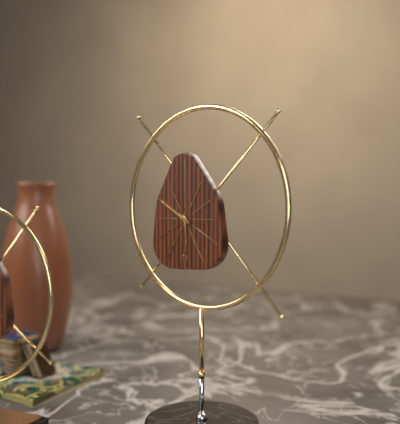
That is 5,50
